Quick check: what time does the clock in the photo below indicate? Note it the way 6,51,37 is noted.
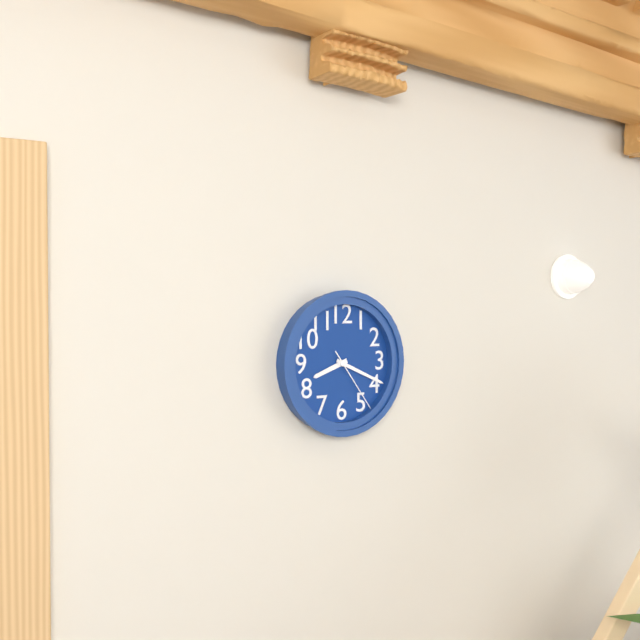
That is 8,19,24
